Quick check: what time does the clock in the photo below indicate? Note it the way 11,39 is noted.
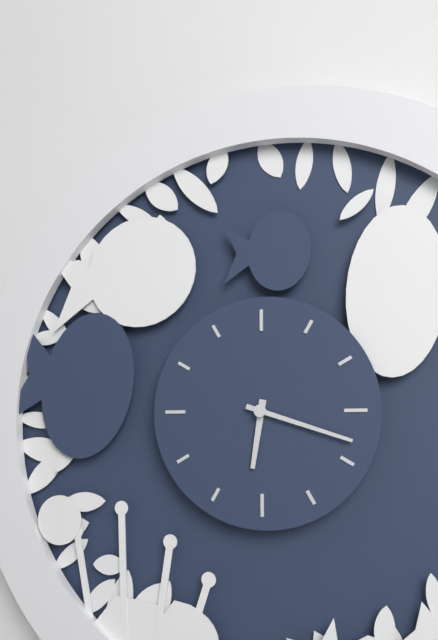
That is 6,18
